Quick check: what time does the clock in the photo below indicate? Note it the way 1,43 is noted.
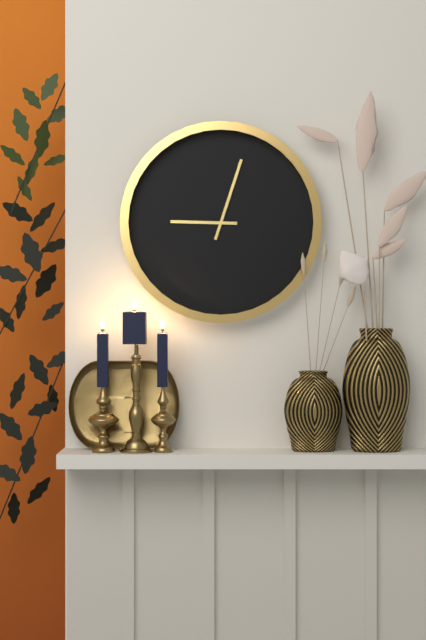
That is 9,03
